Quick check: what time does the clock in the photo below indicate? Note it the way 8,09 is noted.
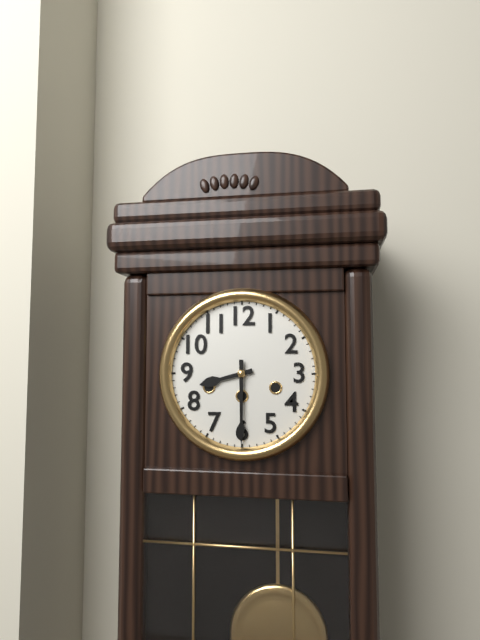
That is 8,30
